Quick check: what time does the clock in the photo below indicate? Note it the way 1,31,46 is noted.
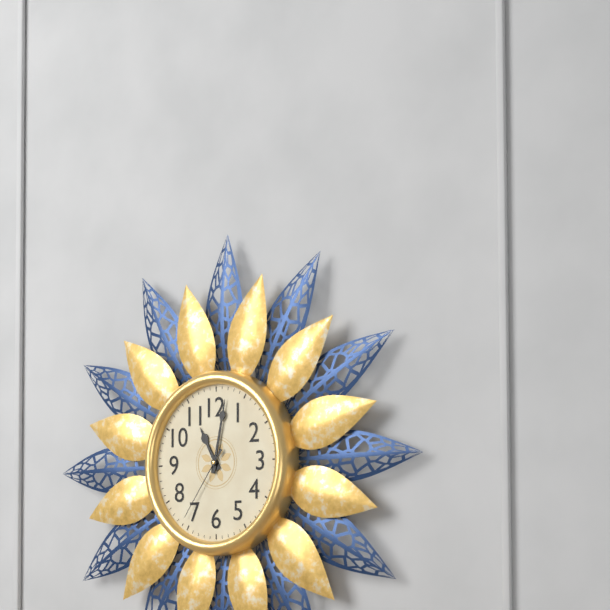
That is 11,02,36
